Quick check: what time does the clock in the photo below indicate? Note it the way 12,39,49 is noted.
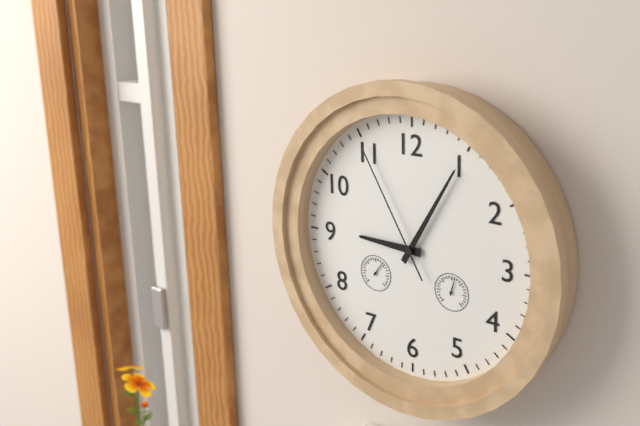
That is 9,05,55
